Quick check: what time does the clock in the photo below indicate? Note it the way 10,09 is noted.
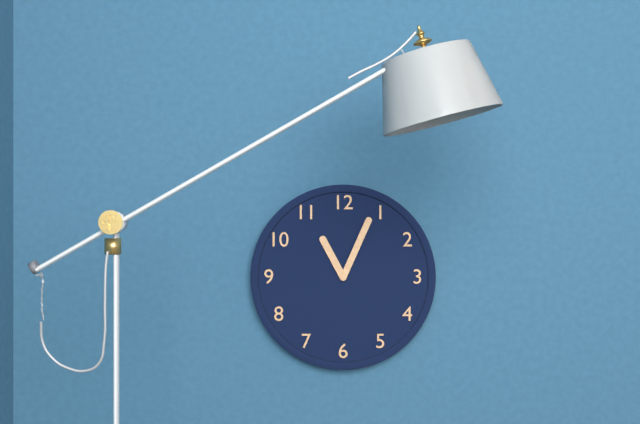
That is 11,04
